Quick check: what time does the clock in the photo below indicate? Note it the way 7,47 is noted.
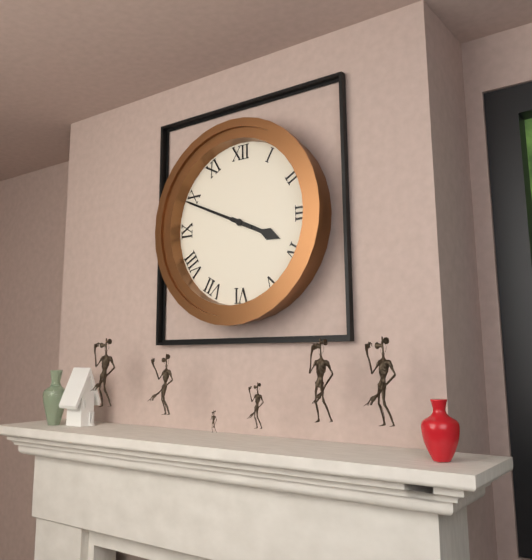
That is 3,49
